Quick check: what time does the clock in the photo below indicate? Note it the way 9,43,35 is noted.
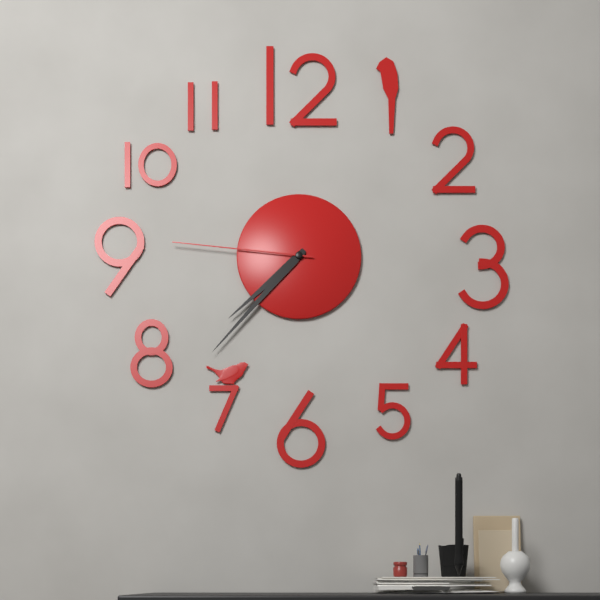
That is 7,37,46
